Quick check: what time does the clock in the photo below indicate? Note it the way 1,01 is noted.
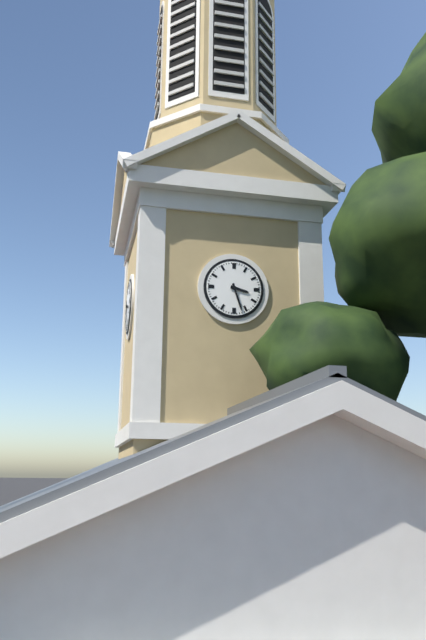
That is 3,27
